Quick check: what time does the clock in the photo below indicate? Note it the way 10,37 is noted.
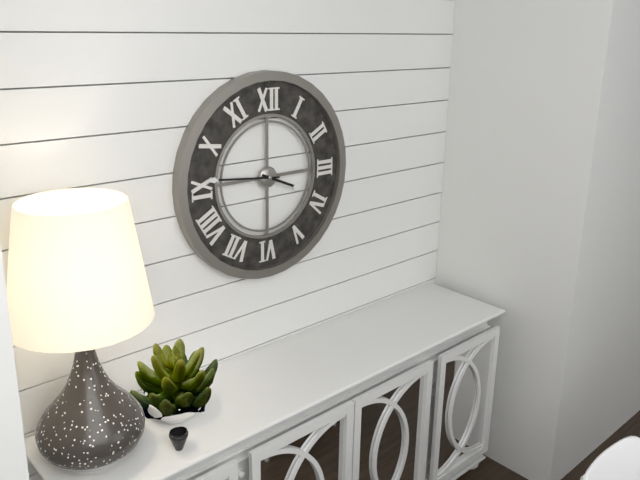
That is 3,46
